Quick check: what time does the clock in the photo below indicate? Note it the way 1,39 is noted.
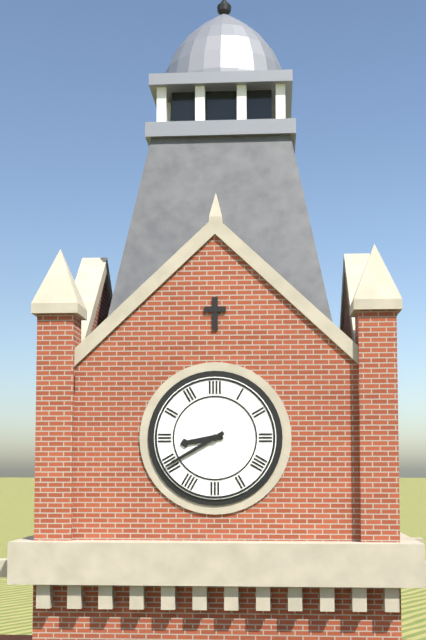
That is 8,40
